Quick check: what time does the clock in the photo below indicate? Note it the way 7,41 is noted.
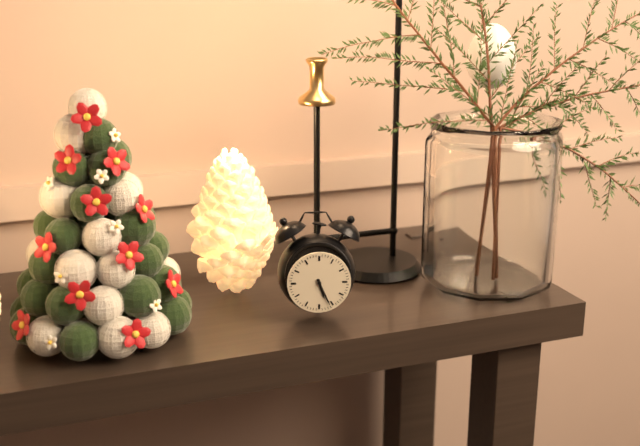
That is 5,26
